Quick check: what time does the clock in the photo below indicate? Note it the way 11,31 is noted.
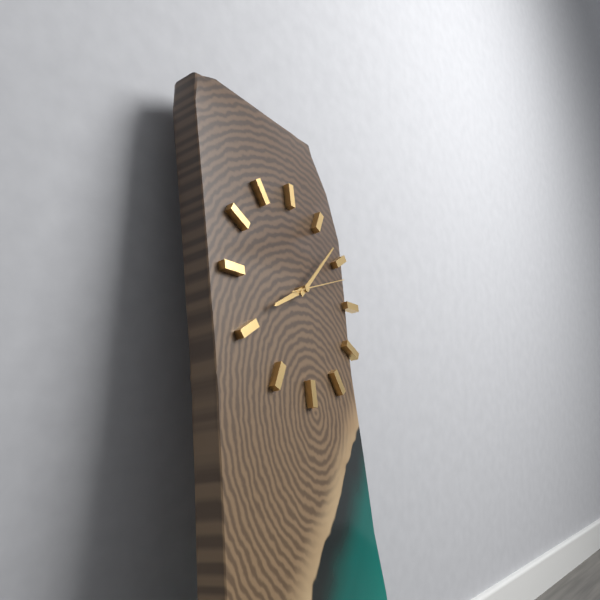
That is 8,08
